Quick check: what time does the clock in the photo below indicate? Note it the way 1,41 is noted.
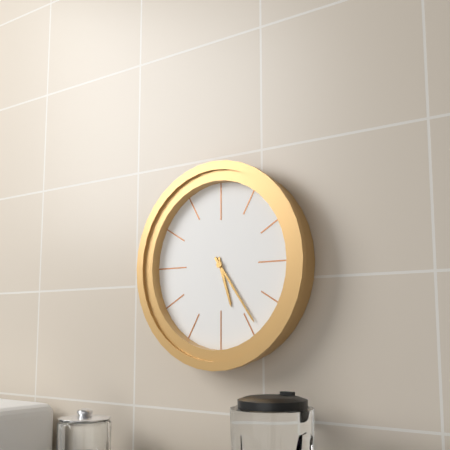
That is 5,24
